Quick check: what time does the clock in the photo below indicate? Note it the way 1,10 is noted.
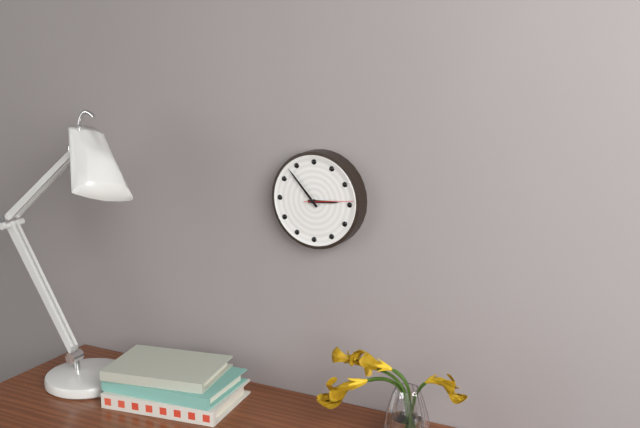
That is 2,53
